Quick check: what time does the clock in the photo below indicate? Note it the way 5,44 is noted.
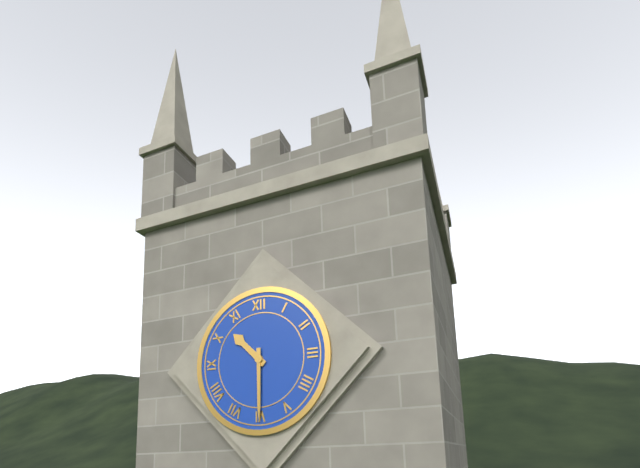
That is 10,30
